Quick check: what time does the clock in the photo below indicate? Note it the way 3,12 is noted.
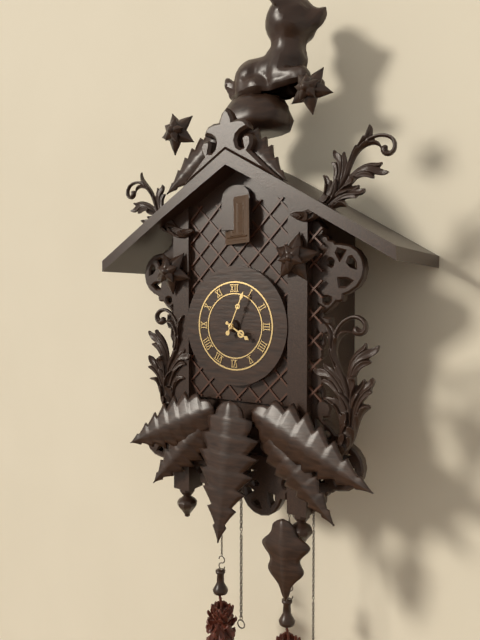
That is 4,04
